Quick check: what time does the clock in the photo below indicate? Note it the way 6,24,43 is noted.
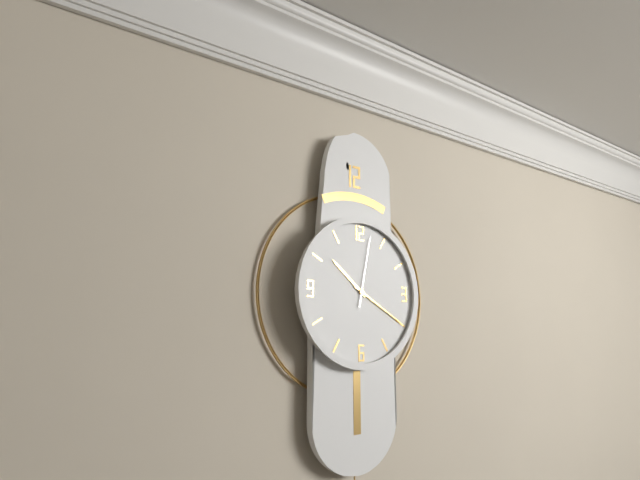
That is 10,20,02
